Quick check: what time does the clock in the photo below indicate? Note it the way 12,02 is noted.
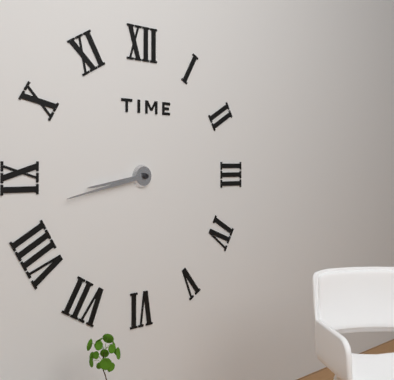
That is 8,43
